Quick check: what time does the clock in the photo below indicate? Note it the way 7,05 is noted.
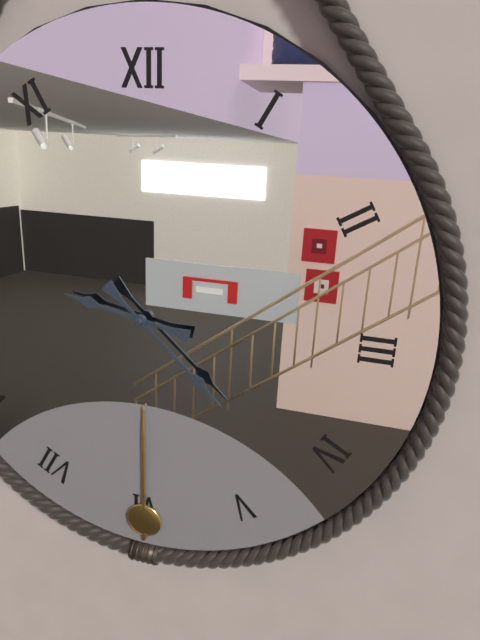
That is 9,22
